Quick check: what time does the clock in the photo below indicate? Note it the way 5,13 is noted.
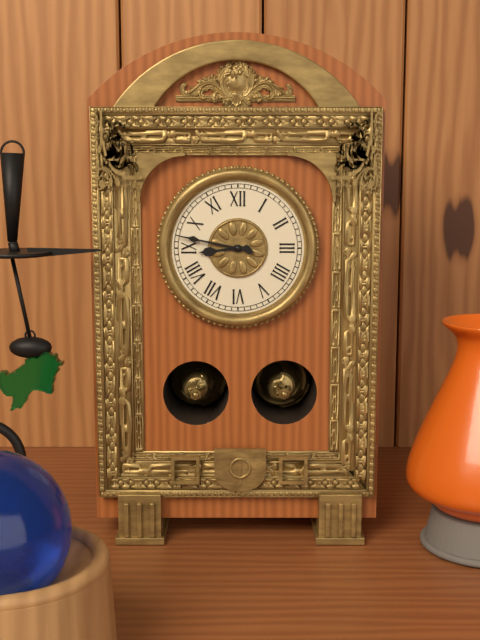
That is 8,47
